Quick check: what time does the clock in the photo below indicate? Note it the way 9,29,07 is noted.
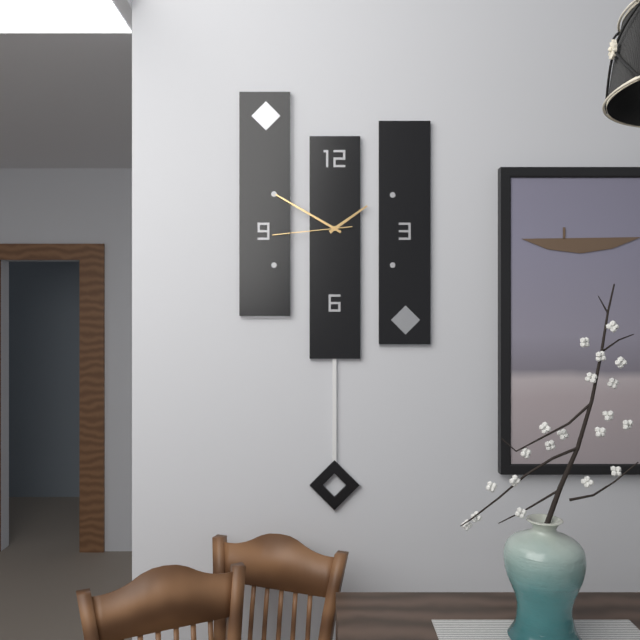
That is 1,50,44
